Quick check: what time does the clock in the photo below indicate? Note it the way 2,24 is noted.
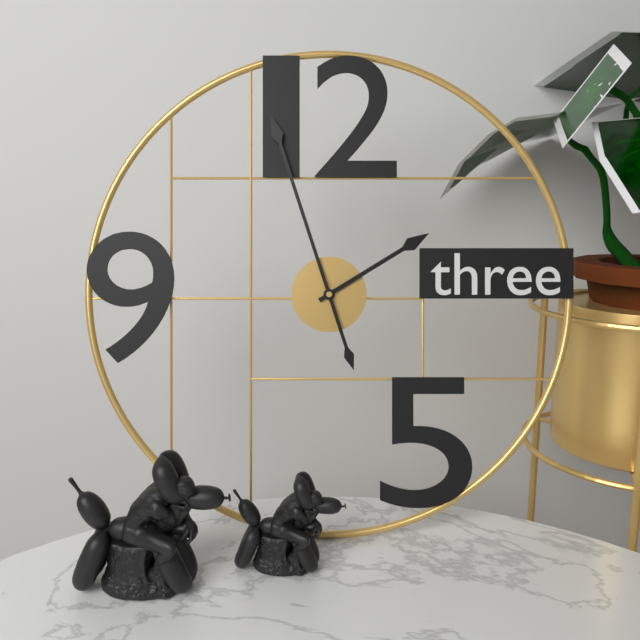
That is 1,57
